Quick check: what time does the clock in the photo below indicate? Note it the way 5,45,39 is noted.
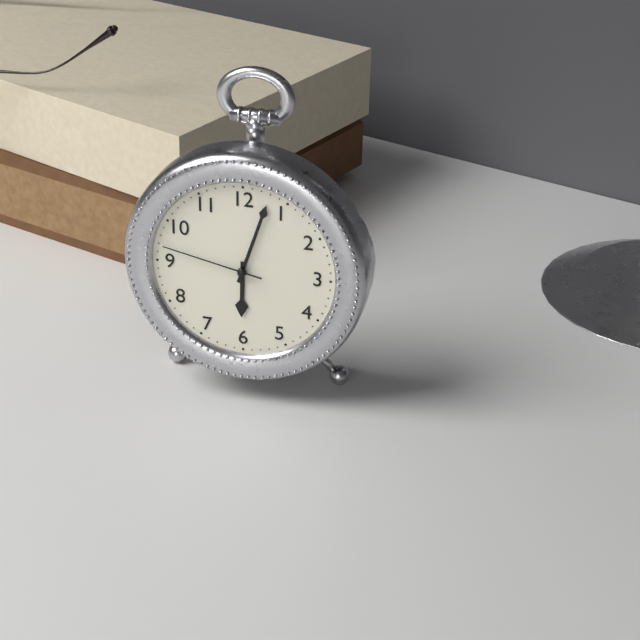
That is 6,03,47
